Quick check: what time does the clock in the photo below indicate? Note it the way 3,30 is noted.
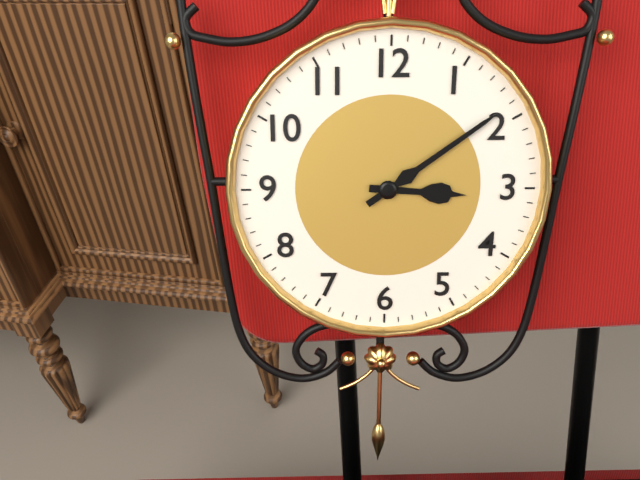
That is 3,09
